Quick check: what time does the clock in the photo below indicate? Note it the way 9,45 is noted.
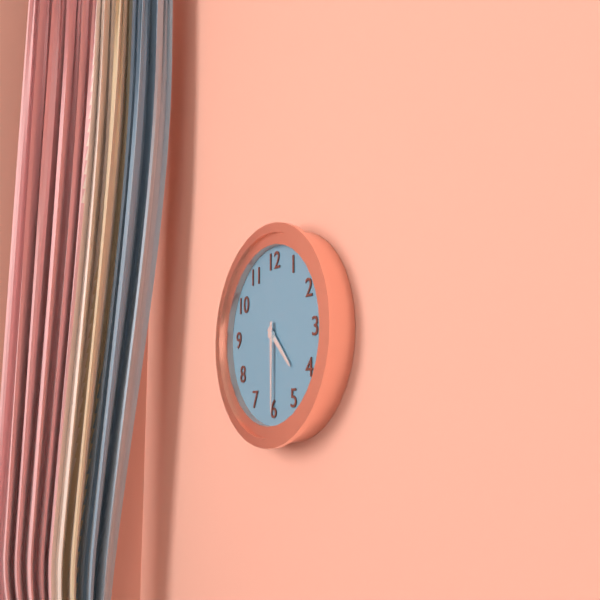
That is 4,30
